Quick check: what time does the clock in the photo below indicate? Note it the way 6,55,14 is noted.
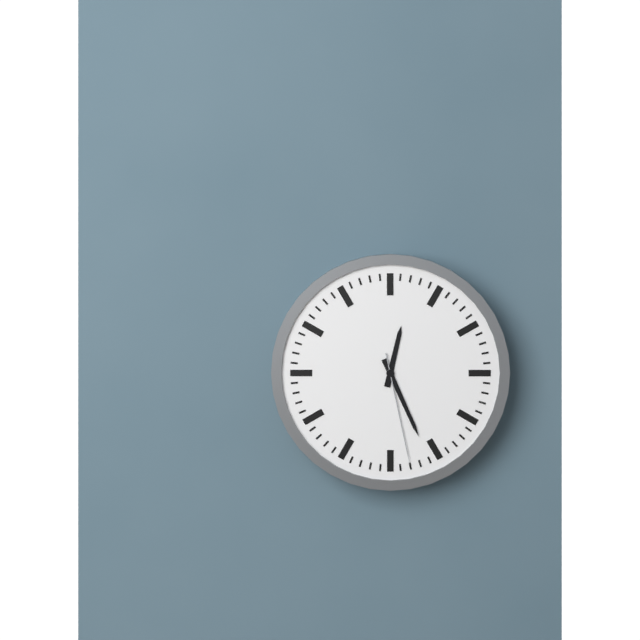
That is 12,26,28
